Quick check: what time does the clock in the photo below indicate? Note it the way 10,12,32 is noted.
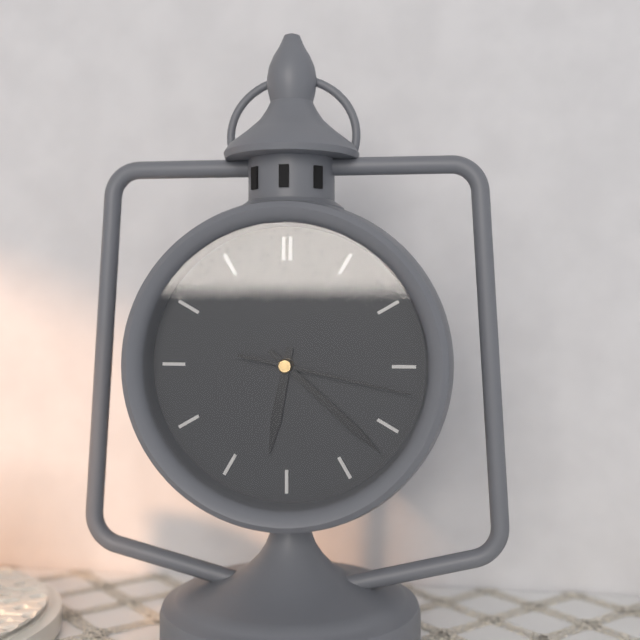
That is 6,22,17
